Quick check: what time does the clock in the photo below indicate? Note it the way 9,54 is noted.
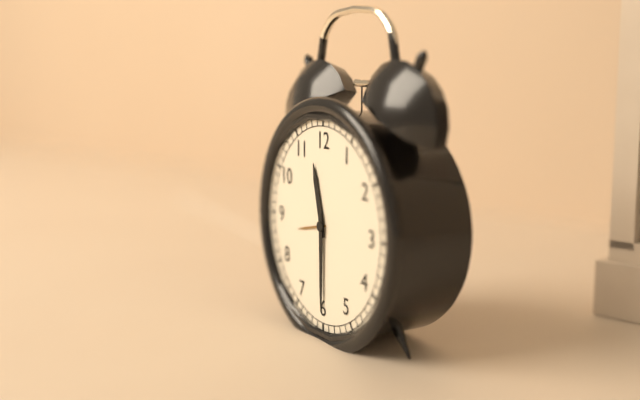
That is 11,30
